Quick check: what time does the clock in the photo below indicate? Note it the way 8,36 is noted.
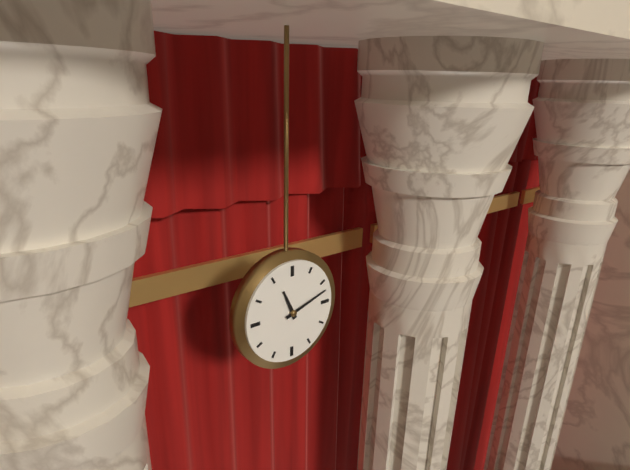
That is 11,12
